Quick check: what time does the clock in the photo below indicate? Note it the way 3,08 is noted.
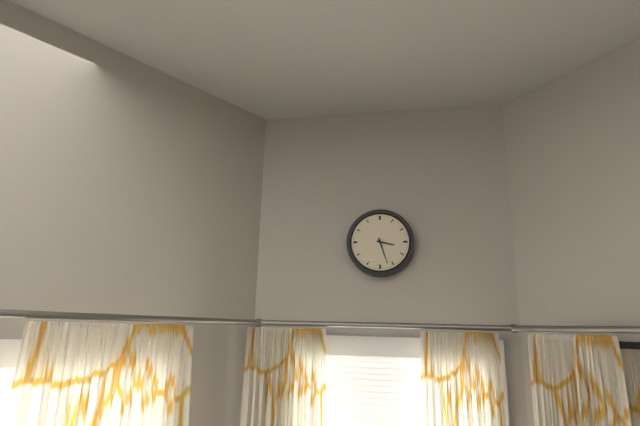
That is 3,27
